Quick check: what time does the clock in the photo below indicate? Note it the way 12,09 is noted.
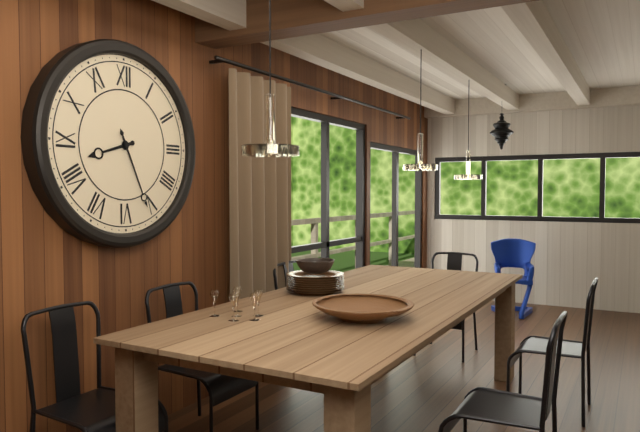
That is 8,26
